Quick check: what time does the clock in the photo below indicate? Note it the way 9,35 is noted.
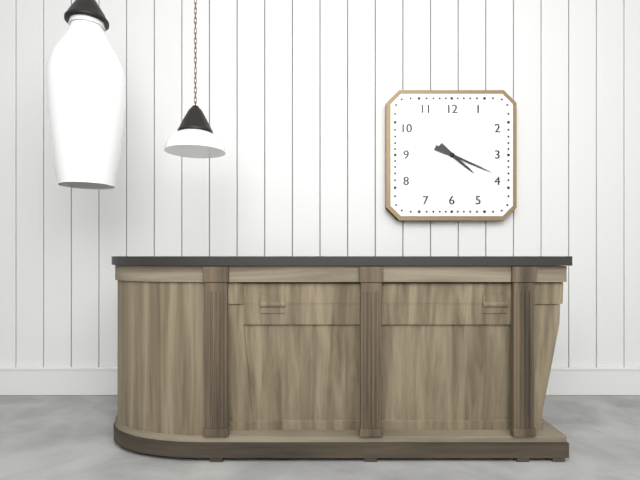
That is 4,19
